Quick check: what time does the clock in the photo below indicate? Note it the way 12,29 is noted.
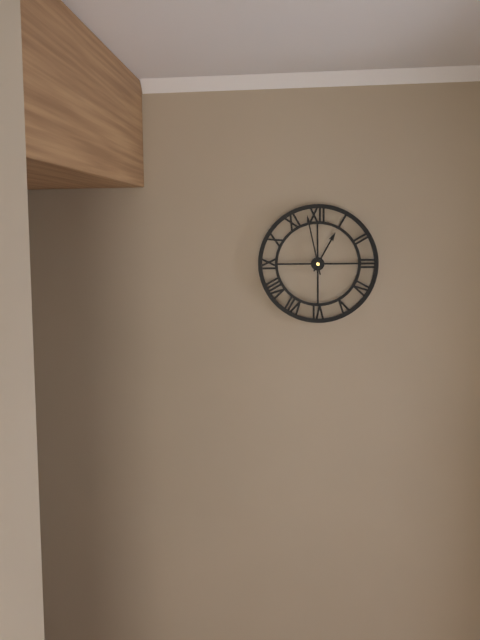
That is 12,58
